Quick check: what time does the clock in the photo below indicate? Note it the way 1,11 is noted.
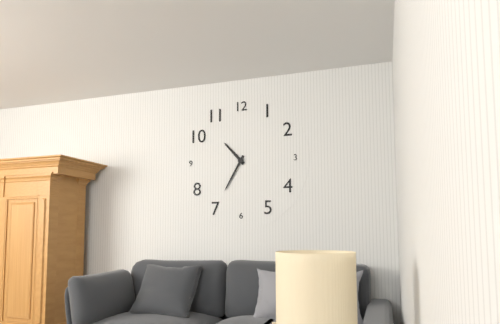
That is 10,35
